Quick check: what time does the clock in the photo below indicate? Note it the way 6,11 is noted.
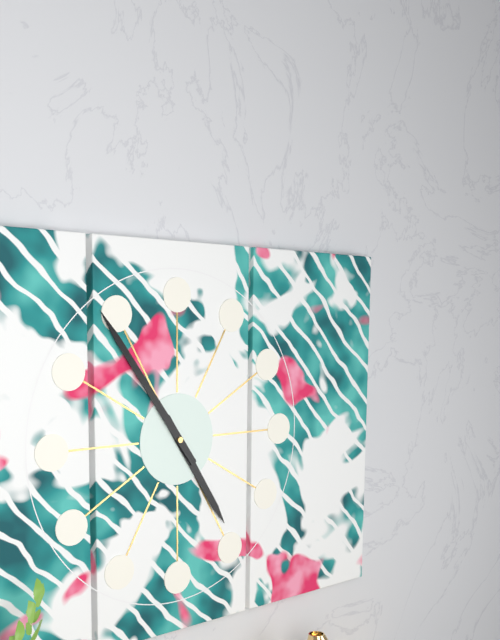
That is 4,54
